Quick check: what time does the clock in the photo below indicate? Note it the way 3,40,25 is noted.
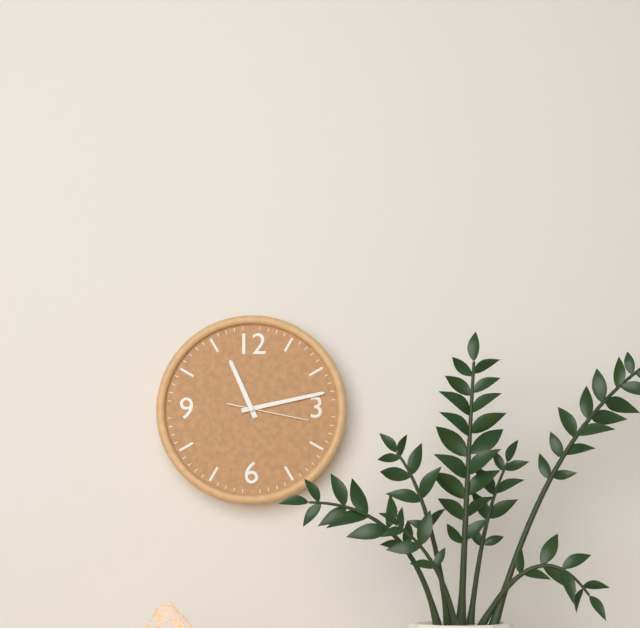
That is 11,13,17
